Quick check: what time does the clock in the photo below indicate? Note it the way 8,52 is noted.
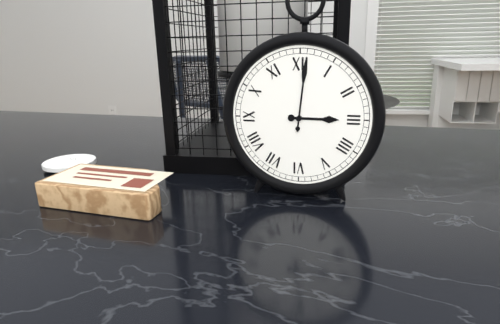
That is 3,01
